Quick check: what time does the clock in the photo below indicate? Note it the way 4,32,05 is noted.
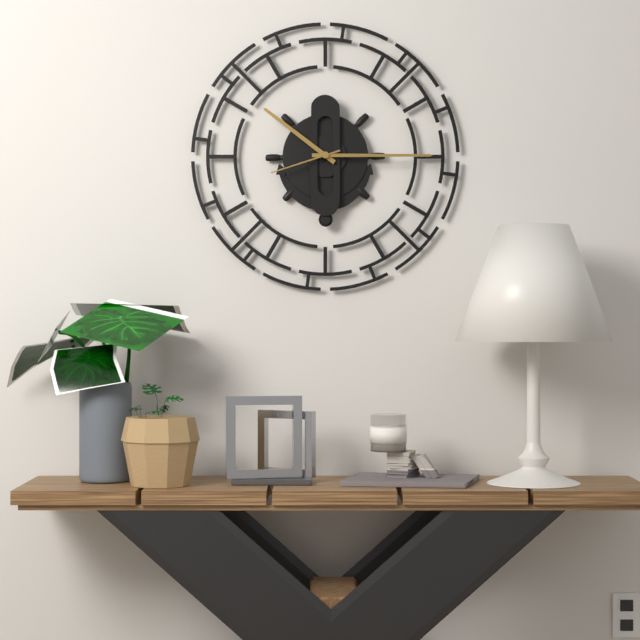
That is 10,15,42
